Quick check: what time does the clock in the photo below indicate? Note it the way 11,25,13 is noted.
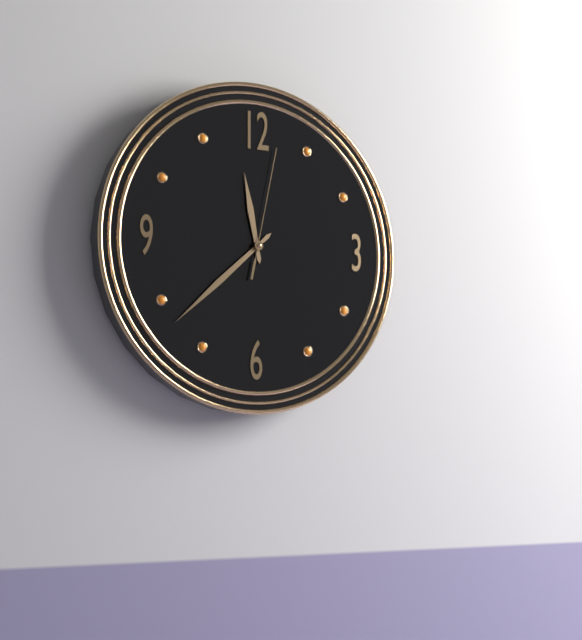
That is 11,38,02
